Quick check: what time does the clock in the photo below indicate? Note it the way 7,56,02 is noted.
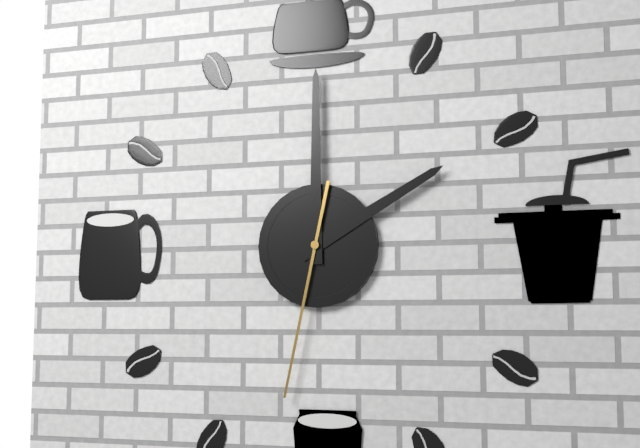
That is 2,00,32
